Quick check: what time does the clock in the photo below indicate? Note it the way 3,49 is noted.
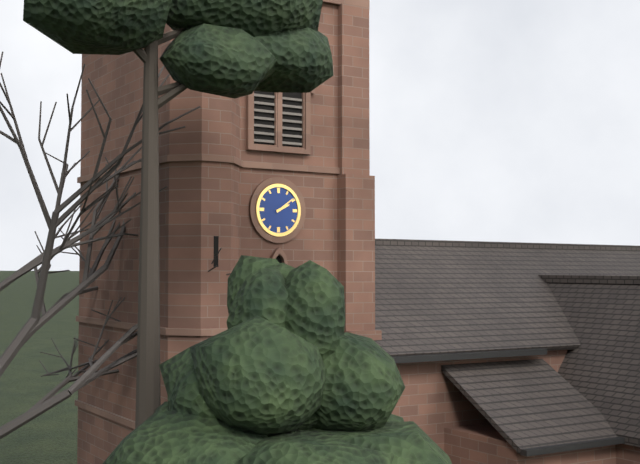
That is 2,09
